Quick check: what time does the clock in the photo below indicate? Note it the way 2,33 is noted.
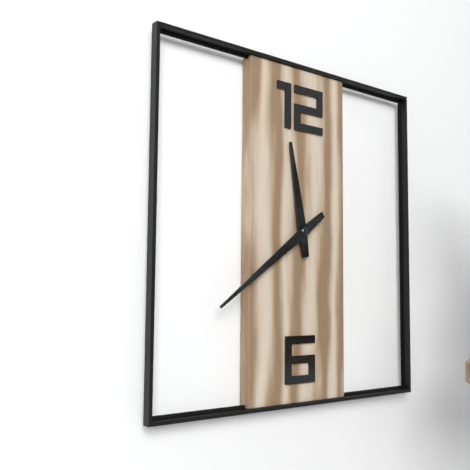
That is 11,39
